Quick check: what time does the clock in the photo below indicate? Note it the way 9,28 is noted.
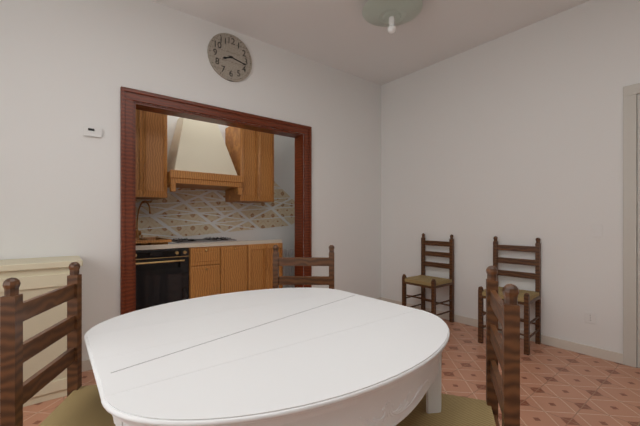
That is 8,17
